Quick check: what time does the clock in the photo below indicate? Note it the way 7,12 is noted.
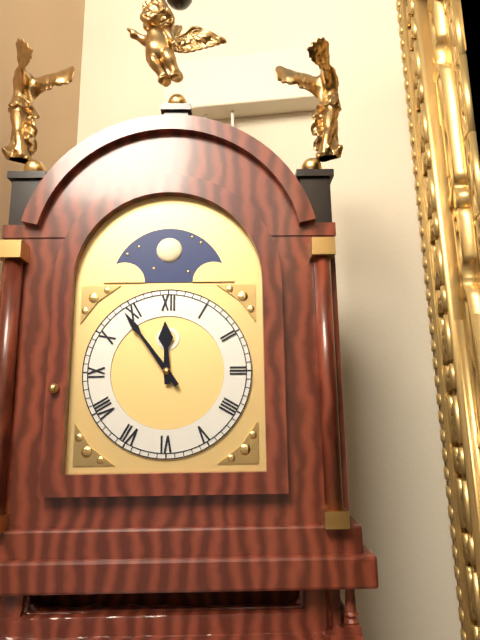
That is 11,54
